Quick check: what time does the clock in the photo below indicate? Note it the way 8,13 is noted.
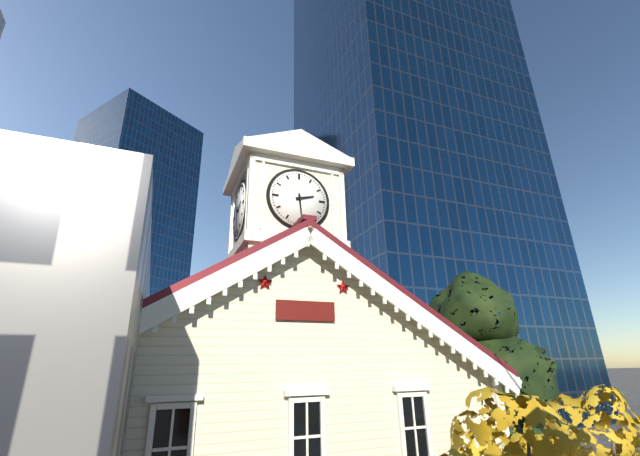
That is 2,29
